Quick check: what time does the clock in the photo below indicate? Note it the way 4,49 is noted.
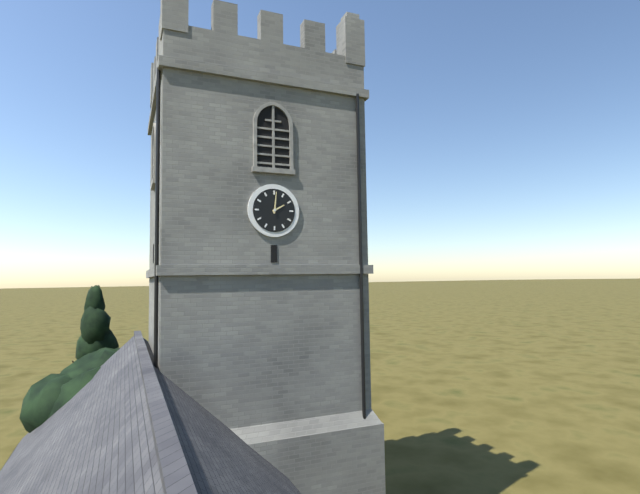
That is 2,01
